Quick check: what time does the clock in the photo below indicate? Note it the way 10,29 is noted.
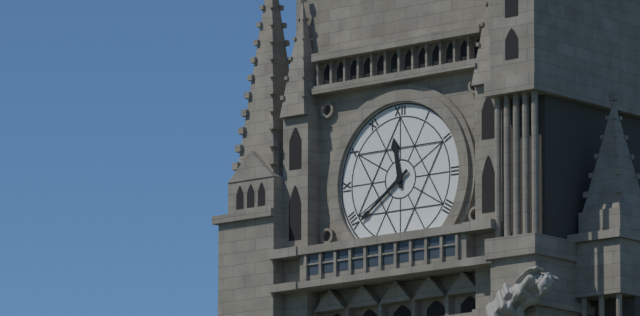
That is 11,39
